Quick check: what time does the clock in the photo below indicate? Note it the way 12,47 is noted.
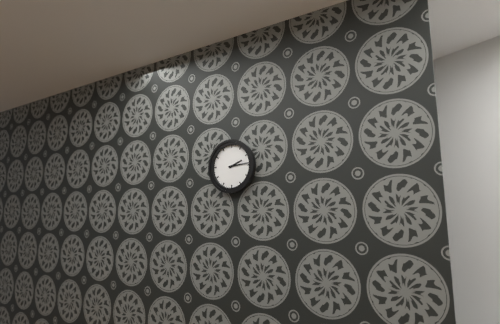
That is 2,14
